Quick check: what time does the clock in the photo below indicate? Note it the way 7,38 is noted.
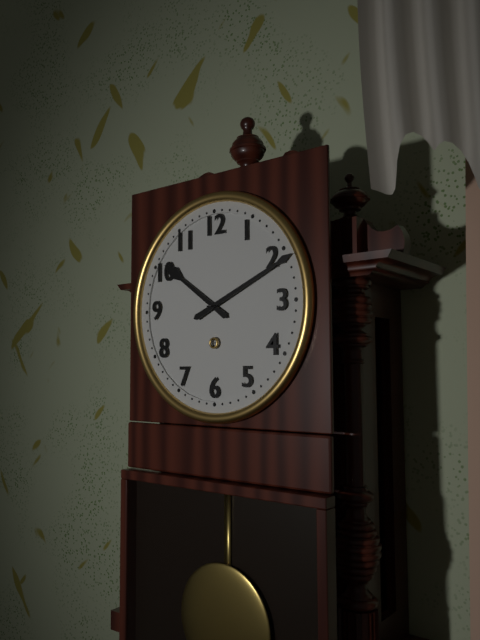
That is 10,11
